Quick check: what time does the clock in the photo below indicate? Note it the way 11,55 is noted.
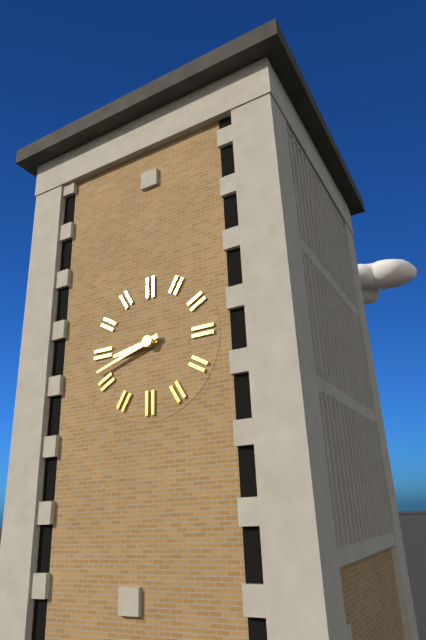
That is 8,42
